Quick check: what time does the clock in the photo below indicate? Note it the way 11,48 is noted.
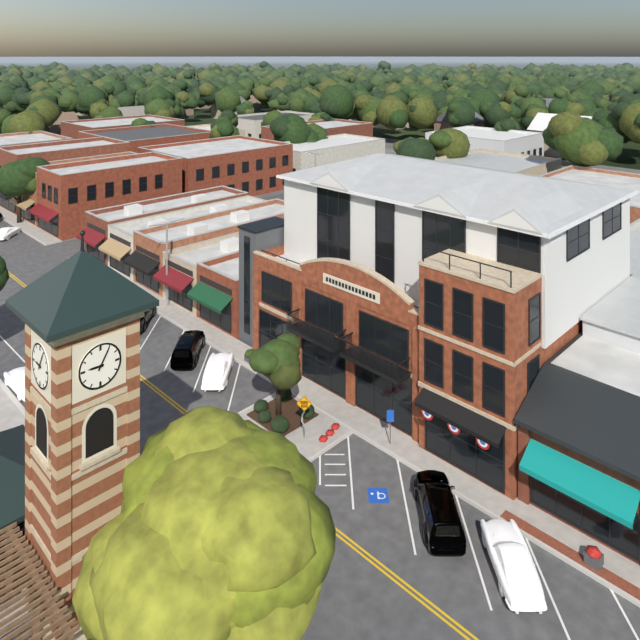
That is 9,05
